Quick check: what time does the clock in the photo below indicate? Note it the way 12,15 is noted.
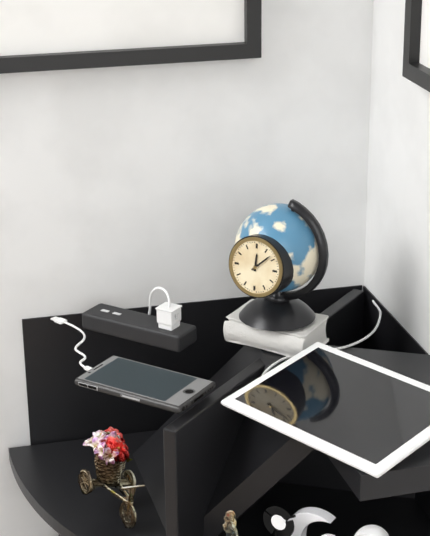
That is 12,08
